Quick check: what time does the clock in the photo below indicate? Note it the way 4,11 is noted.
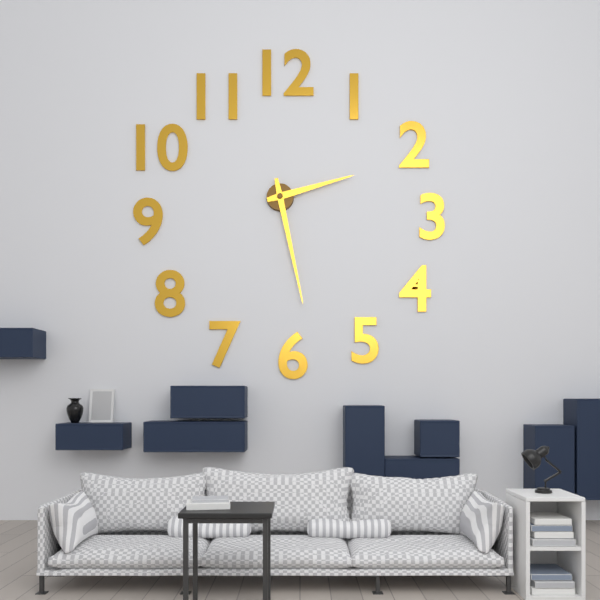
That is 2,28
